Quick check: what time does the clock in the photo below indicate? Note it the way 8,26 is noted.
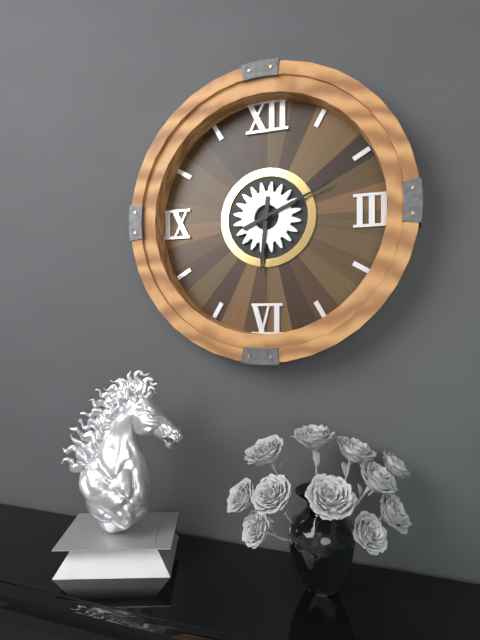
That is 6,11
